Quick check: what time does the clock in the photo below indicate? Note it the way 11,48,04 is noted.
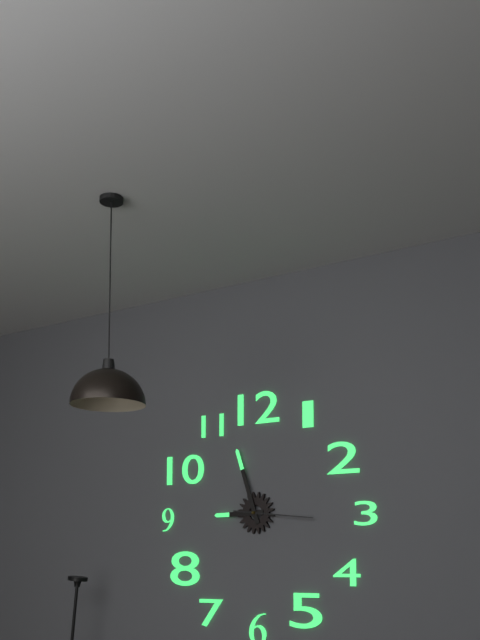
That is 8,57,16
